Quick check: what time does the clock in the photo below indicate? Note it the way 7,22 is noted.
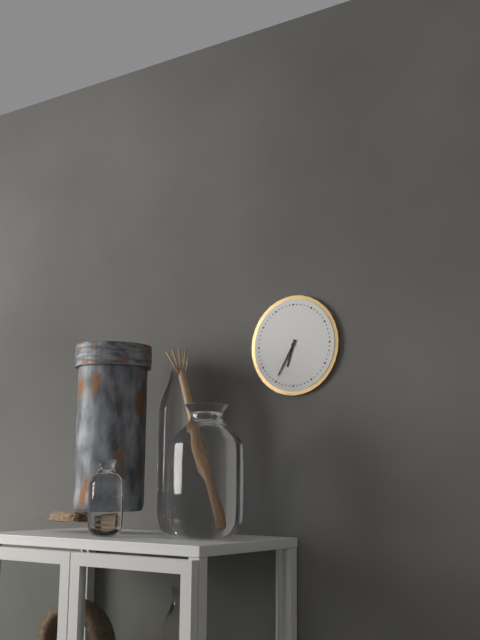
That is 6,35
